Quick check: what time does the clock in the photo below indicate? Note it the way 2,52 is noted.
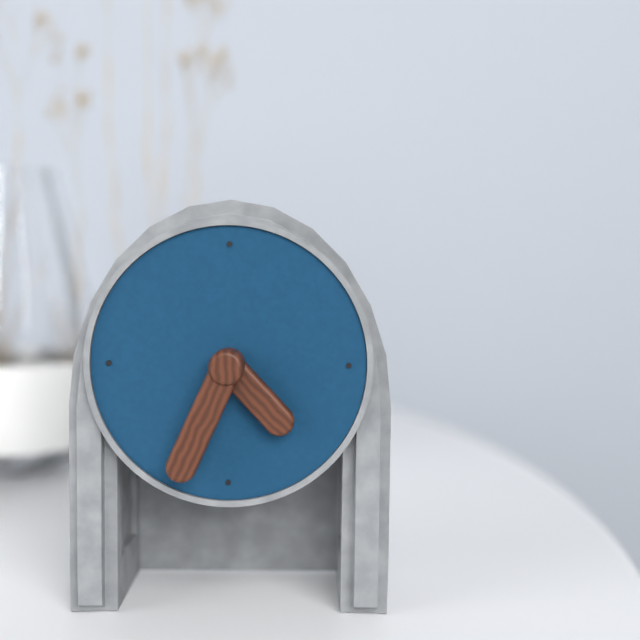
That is 4,34
